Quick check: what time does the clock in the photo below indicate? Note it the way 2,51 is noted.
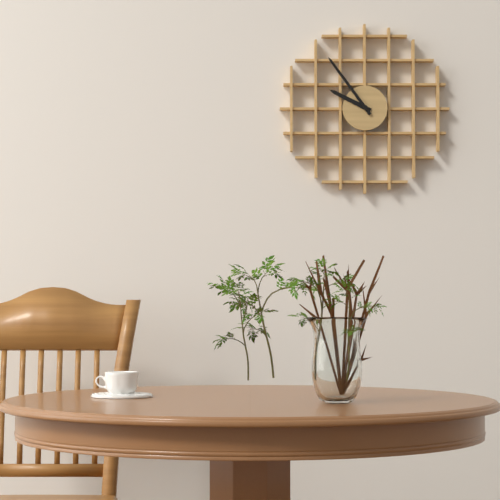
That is 9,54
